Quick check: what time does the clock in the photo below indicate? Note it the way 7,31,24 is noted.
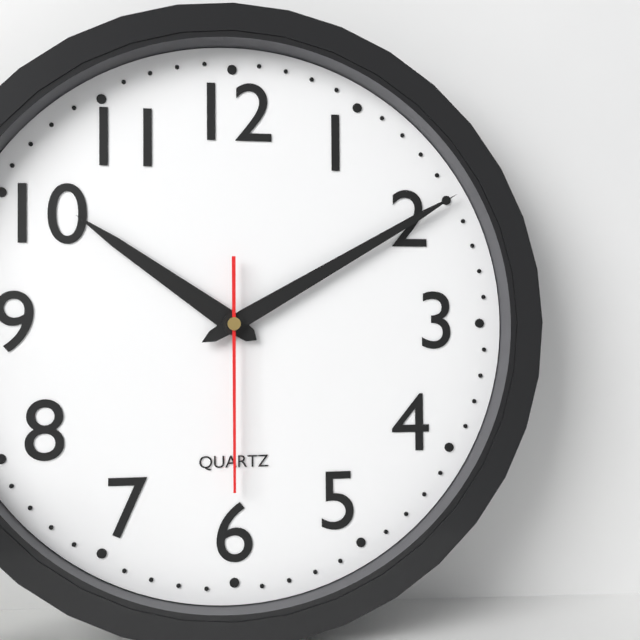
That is 10,10,30
